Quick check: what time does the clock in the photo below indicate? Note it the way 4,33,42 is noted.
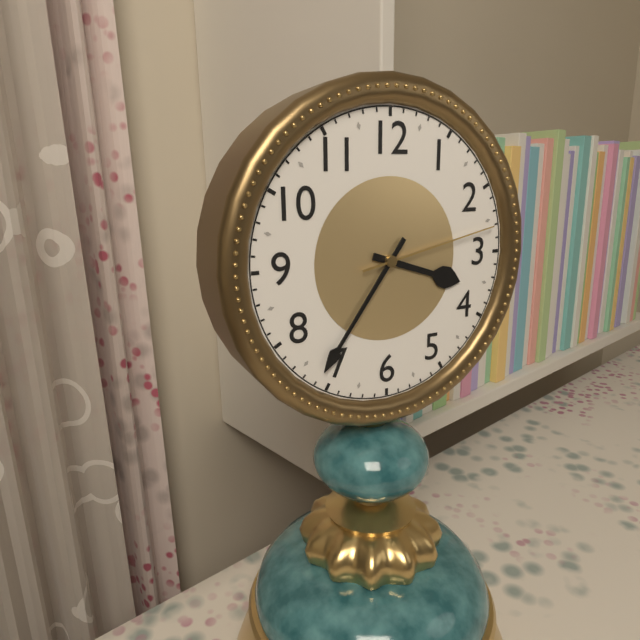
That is 3,36,13
